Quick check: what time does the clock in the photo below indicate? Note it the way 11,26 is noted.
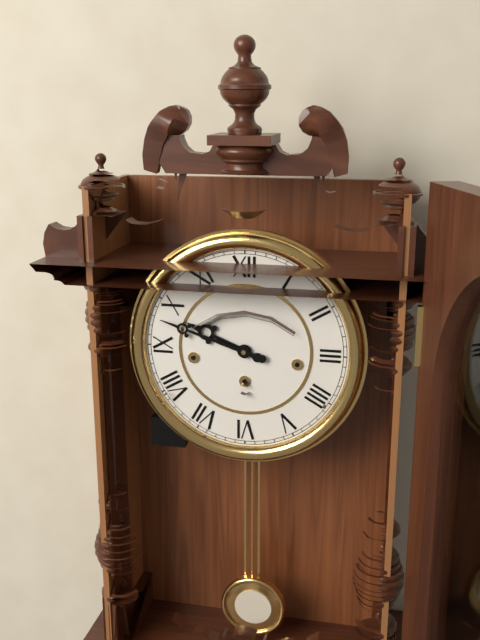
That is 9,48
